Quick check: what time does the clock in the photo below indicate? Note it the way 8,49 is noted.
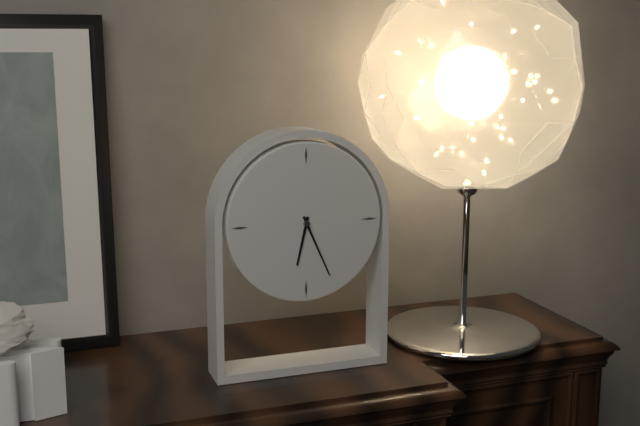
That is 6,26
